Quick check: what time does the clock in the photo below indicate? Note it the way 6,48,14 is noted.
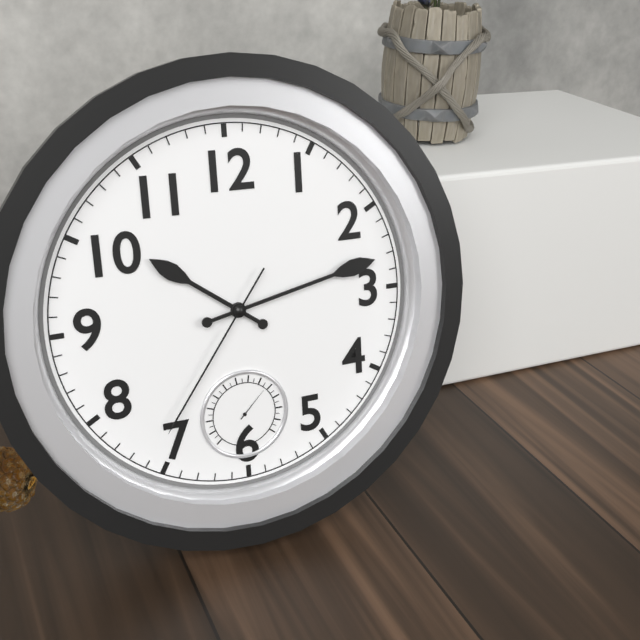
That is 10,13,36
